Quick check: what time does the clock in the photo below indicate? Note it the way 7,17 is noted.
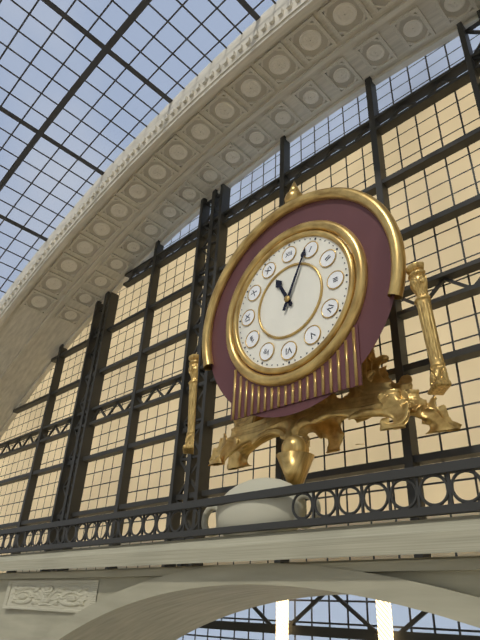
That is 11,04
